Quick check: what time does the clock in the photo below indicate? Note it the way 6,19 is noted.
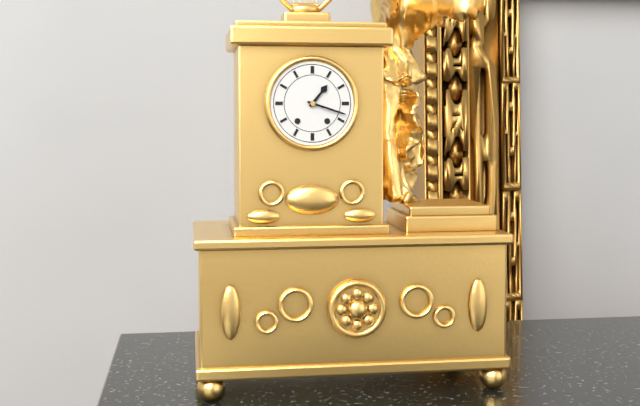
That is 1,18
